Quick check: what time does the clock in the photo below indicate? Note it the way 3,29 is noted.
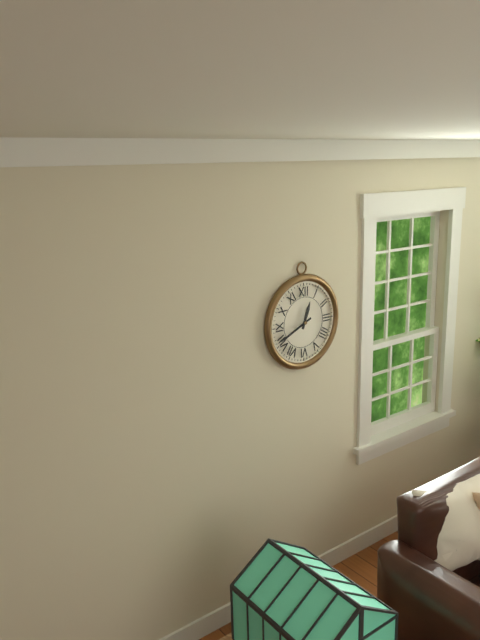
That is 12,41
